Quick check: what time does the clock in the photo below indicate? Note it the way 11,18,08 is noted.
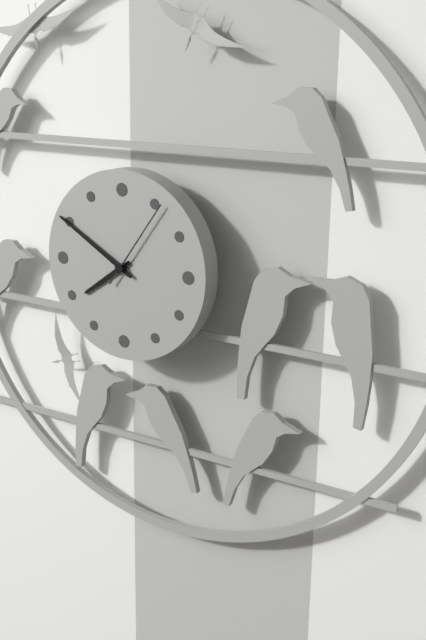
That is 7,50,06
